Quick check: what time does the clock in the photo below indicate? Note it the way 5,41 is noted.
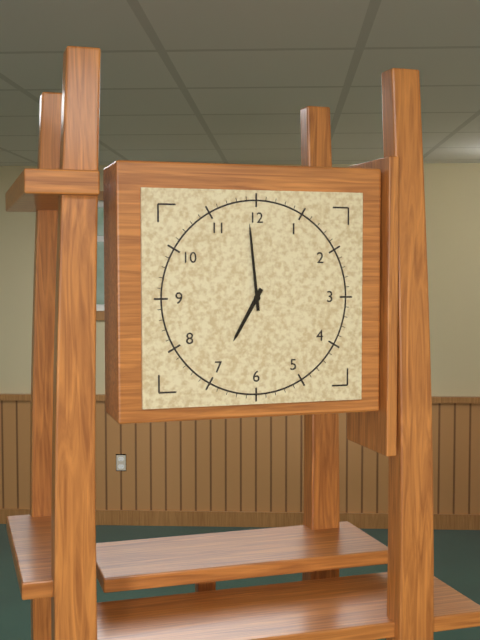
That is 6,59
